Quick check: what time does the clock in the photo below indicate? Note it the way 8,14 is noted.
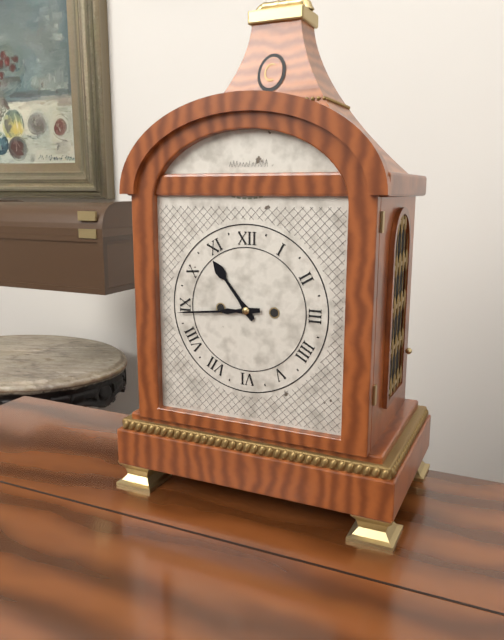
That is 10,44
